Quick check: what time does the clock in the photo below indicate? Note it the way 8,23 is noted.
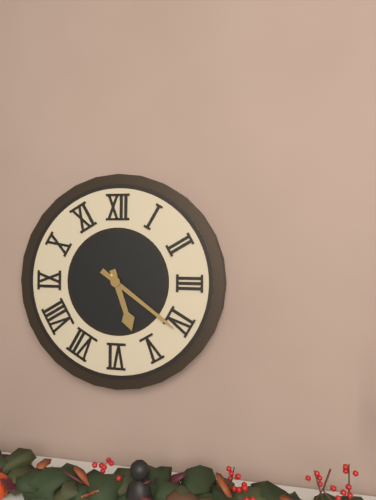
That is 5,21
